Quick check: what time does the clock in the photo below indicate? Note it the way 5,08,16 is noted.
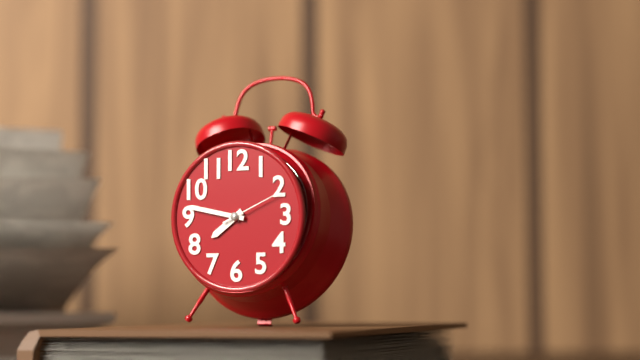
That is 7,47,11
